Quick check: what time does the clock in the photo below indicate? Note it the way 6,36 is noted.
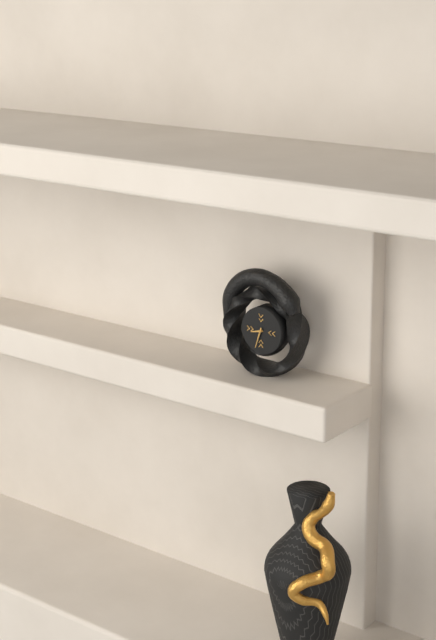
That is 8,33
